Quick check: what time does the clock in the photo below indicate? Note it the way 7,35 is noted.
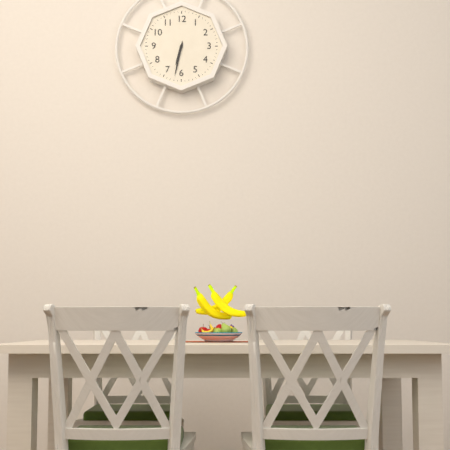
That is 6,32
